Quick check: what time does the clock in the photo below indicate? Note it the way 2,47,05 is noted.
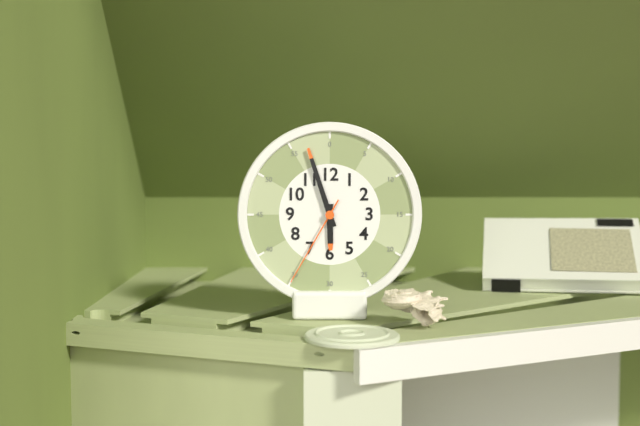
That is 5,57,35
